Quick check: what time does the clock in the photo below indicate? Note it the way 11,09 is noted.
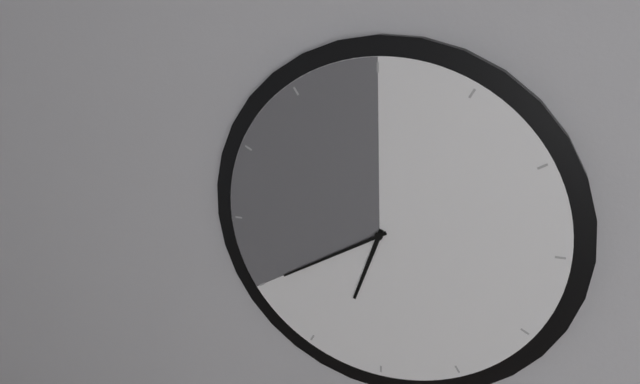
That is 6,40
